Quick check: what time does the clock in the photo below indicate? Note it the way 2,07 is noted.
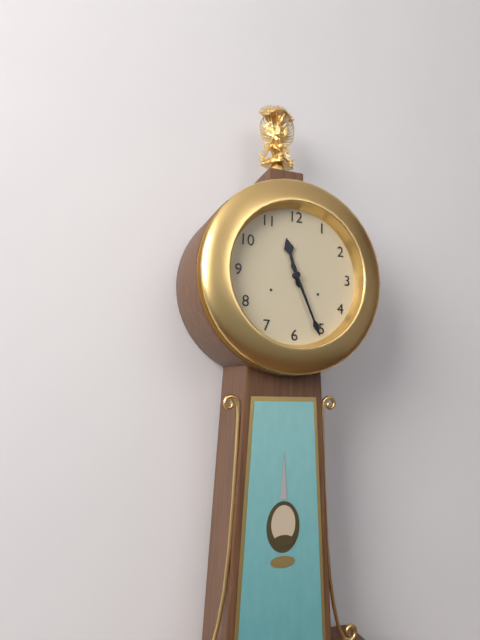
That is 11,26
